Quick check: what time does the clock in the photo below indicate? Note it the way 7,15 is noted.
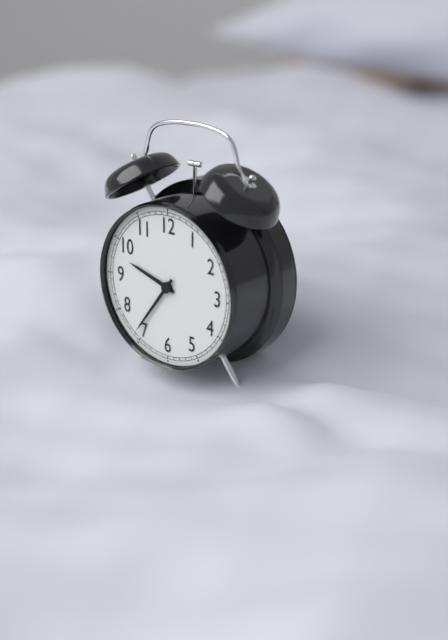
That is 9,36
